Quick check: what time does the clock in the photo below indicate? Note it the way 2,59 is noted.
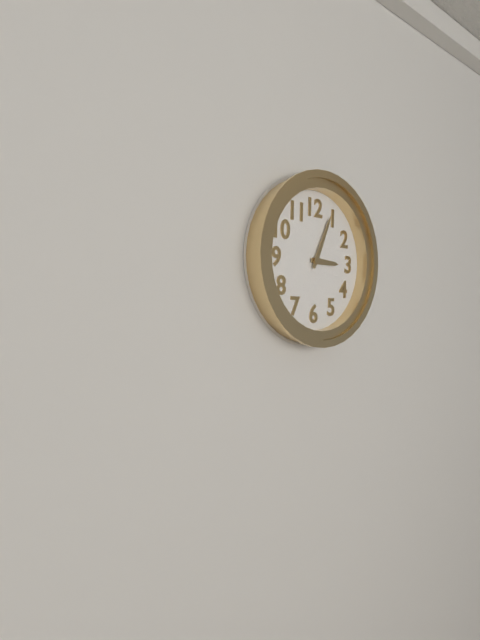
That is 3,04
